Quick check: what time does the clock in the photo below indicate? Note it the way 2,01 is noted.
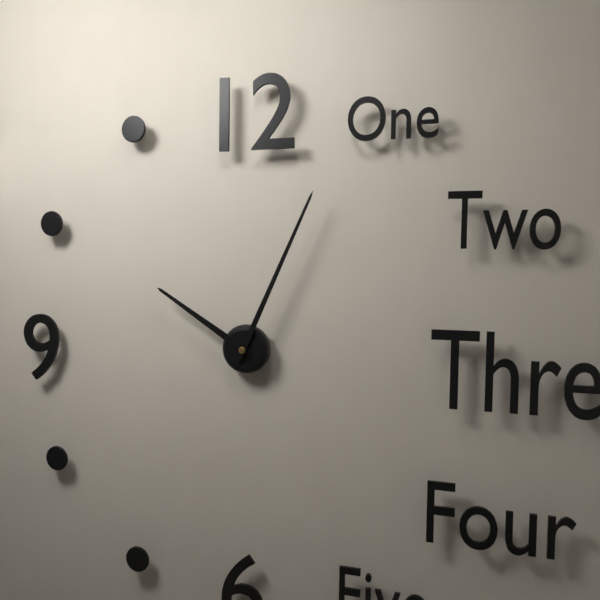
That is 10,04
